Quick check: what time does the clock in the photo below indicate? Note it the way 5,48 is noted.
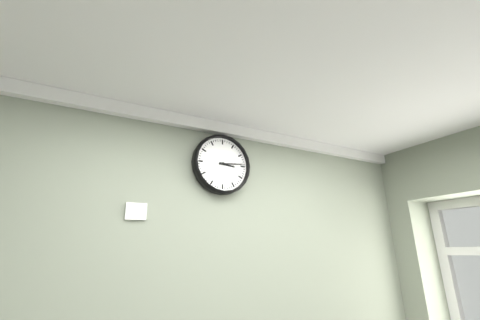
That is 3,14
